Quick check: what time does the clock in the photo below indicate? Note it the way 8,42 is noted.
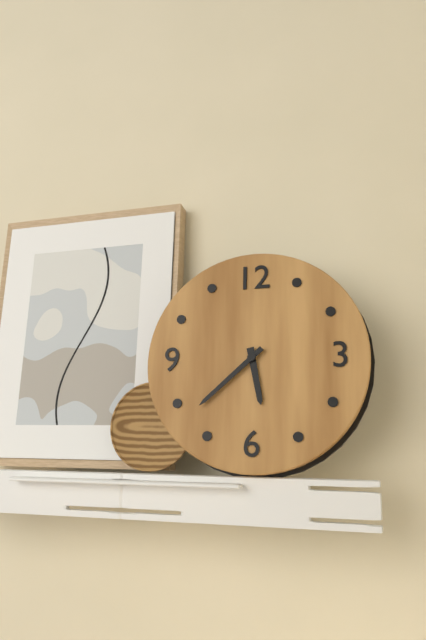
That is 5,38
